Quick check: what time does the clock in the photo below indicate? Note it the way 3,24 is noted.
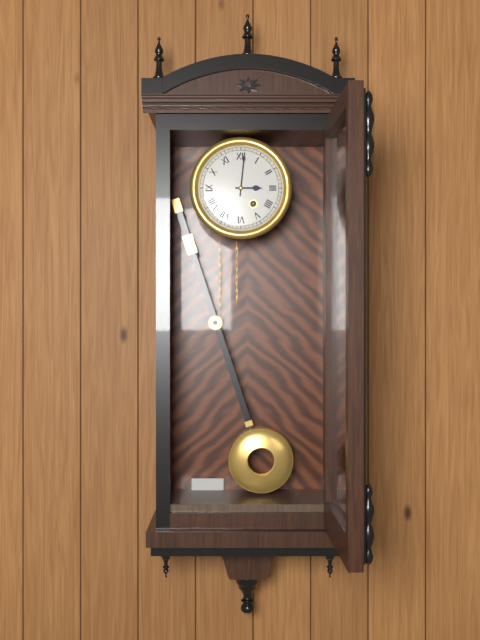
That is 3,01
